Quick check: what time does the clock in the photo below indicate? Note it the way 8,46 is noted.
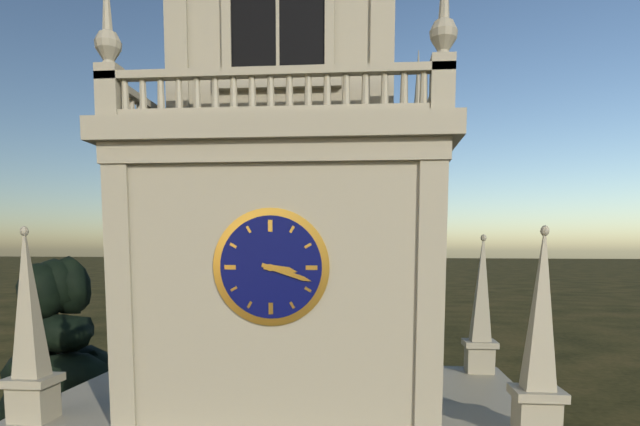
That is 3,18
